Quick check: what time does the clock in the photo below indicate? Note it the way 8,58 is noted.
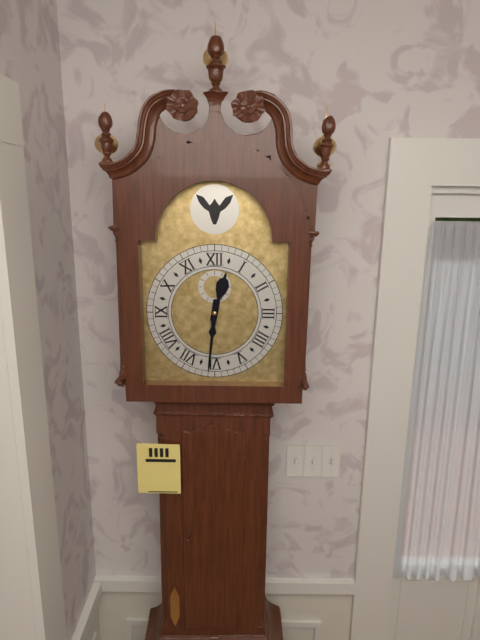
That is 12,31
